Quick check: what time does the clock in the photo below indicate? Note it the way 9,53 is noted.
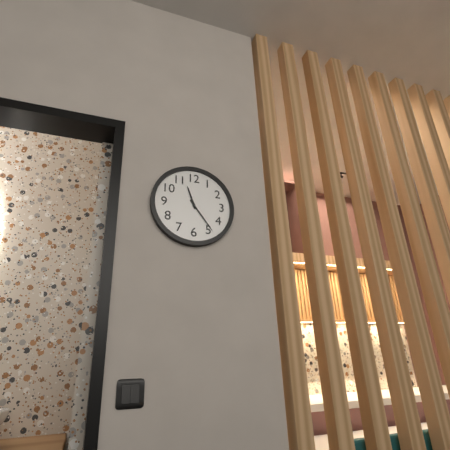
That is 11,24
